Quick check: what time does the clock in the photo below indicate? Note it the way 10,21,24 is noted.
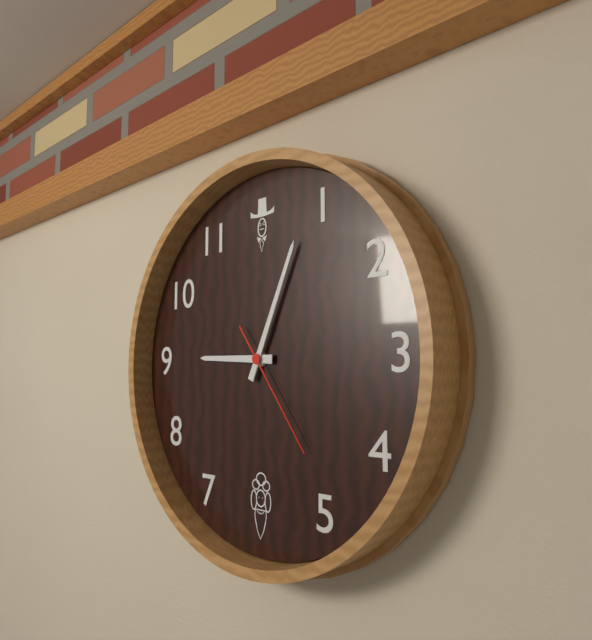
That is 9,04,24
